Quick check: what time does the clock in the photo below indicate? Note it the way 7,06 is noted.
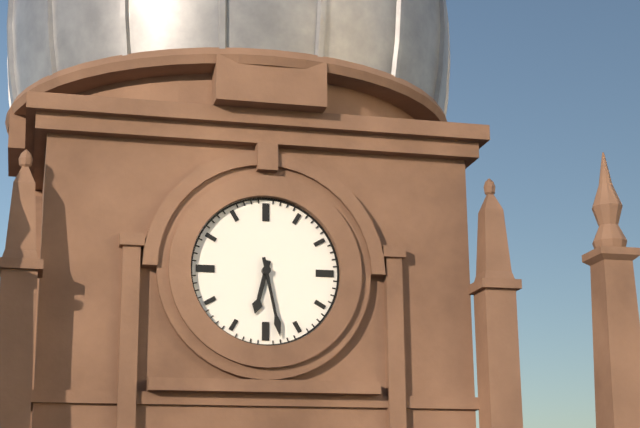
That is 6,28
